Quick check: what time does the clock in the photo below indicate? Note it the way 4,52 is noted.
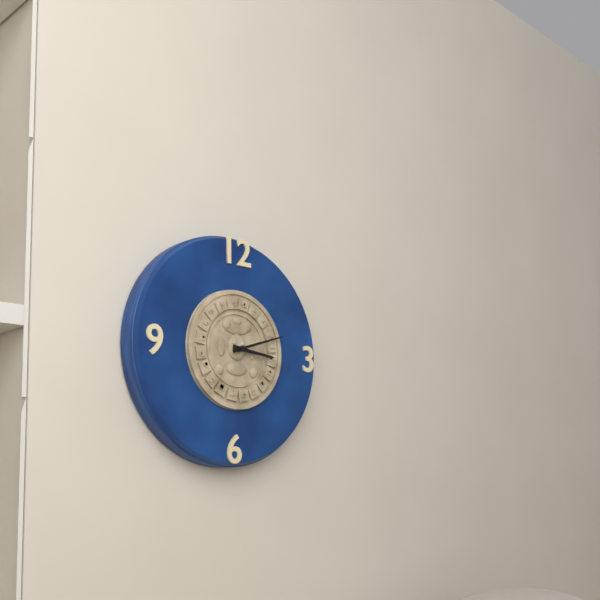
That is 3,12
